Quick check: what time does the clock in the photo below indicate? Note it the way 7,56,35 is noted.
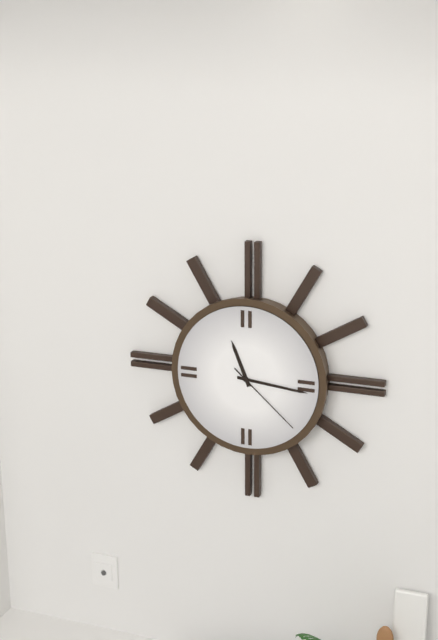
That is 11,16,22
